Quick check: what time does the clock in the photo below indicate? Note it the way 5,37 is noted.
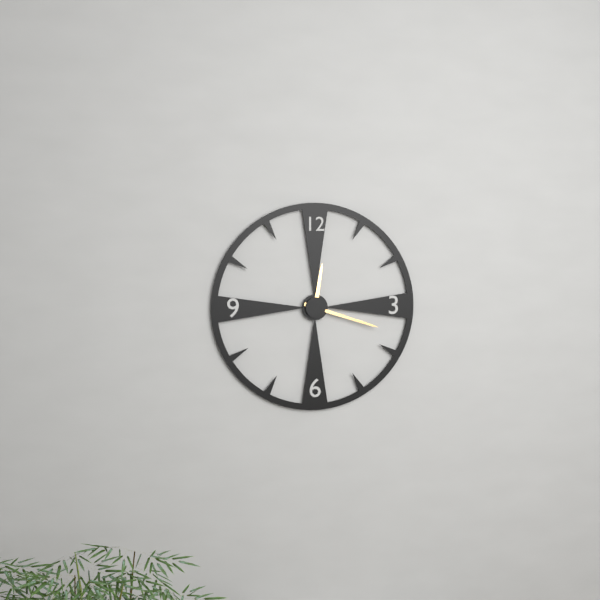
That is 12,18
